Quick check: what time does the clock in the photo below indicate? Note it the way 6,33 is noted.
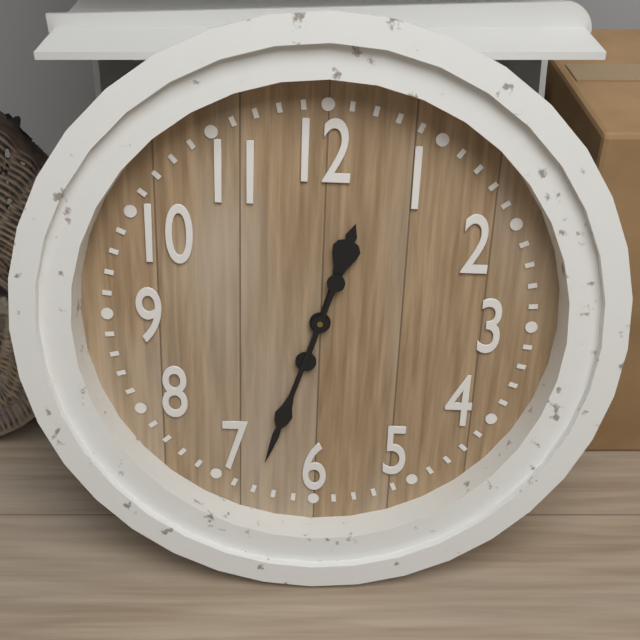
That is 12,33
